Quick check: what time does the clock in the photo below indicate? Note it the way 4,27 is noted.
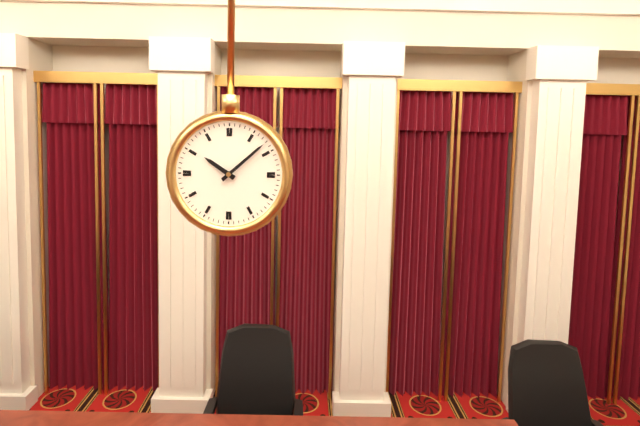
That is 10,08
